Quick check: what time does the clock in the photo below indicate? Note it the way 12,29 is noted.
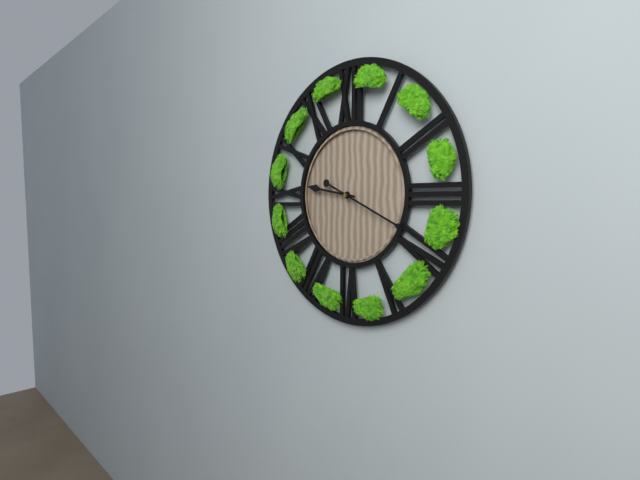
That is 9,19
